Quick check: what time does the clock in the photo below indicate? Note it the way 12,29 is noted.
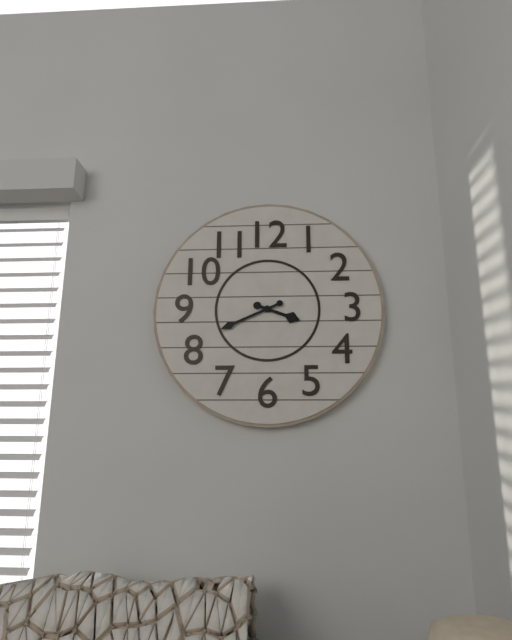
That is 3,41
